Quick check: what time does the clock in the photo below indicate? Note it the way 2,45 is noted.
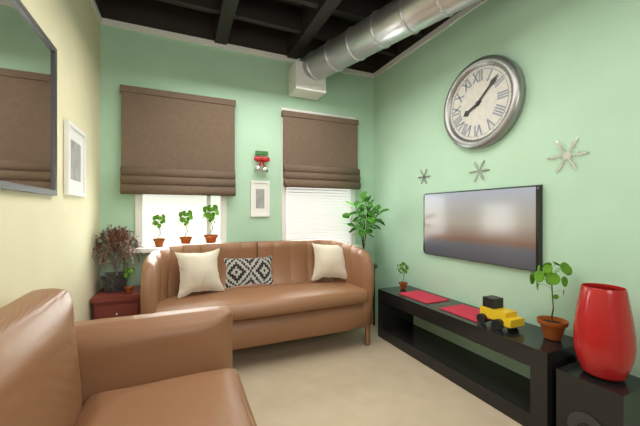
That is 8,08
